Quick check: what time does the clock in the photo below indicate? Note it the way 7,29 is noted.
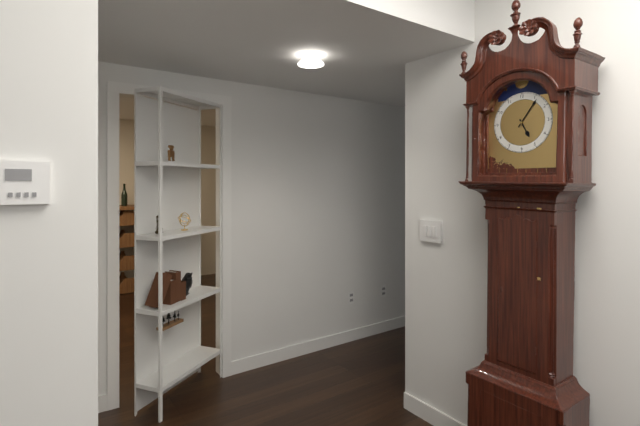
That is 5,06
